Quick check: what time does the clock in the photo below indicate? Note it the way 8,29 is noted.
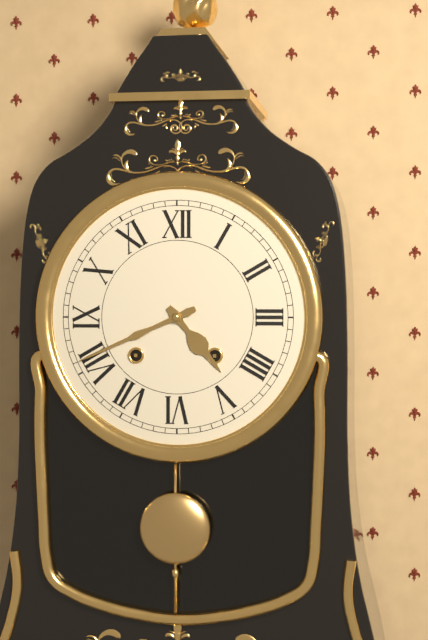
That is 4,41
